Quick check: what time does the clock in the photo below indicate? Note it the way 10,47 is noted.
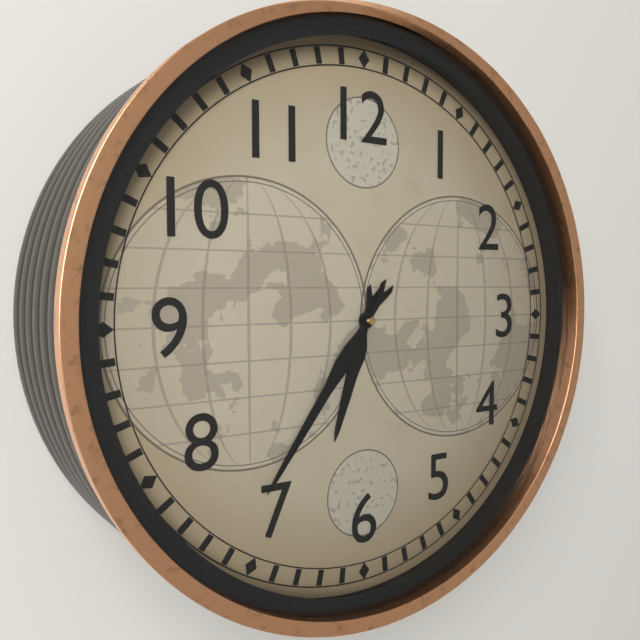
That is 6,36
